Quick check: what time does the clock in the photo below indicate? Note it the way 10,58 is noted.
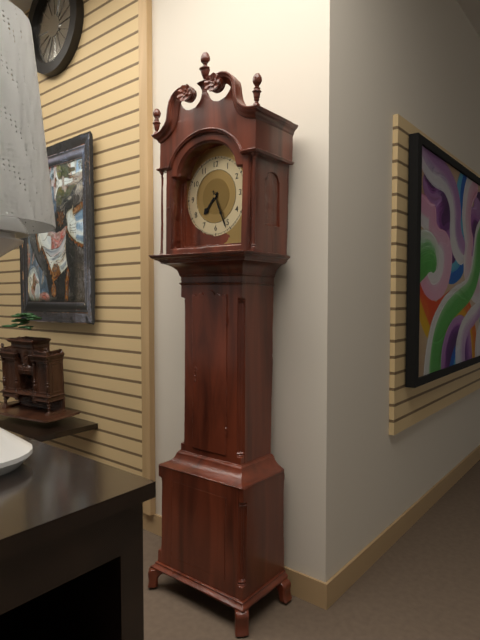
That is 7,26
